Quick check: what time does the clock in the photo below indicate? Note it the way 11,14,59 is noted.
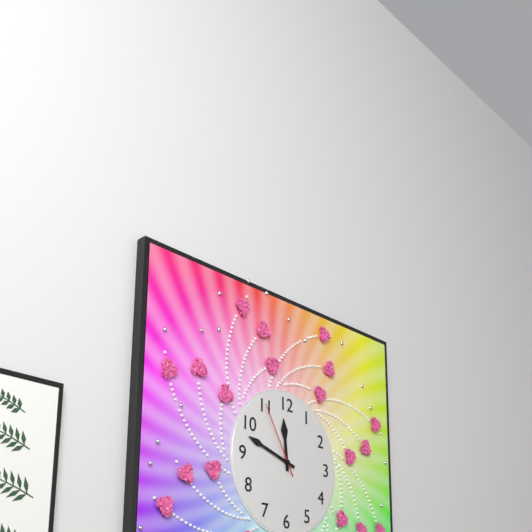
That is 11,48,55
